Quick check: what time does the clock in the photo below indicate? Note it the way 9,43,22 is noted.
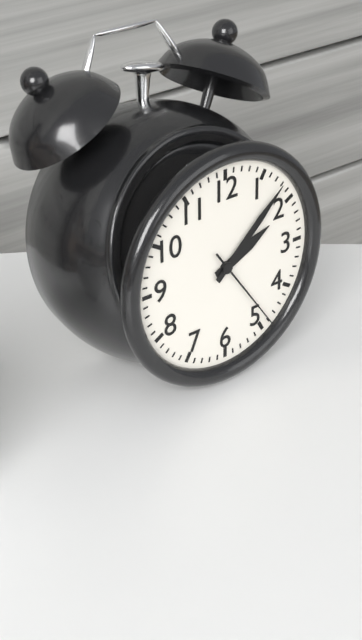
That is 2,08,24
